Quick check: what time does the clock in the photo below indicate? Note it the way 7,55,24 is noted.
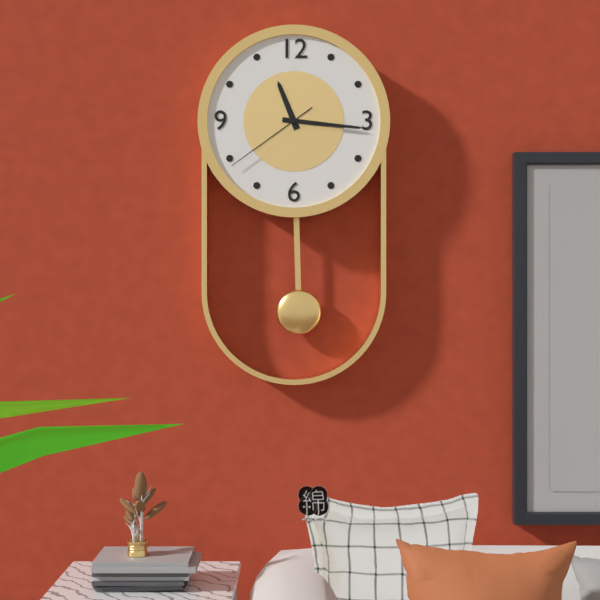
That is 11,16,39
